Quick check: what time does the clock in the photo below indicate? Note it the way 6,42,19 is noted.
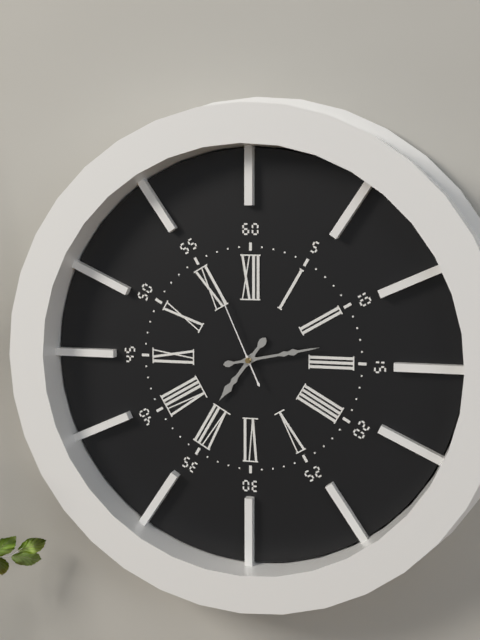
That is 7,13,56
